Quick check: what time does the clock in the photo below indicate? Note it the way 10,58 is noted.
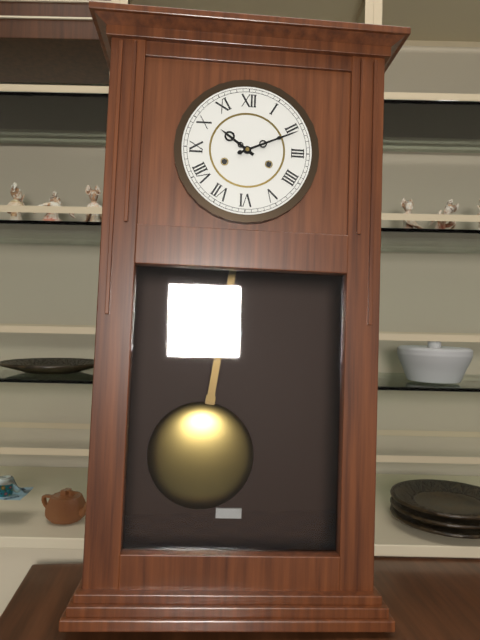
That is 10,11
